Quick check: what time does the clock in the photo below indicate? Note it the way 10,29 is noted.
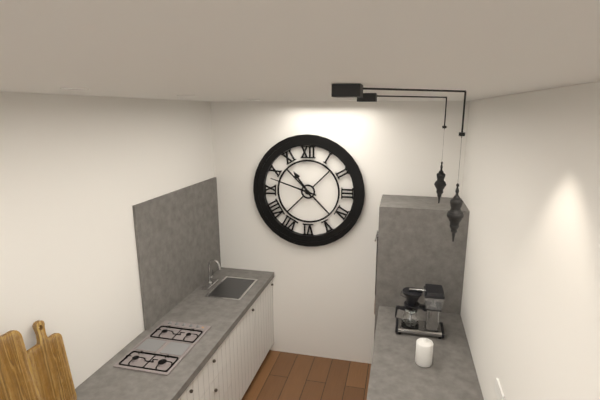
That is 10,48
